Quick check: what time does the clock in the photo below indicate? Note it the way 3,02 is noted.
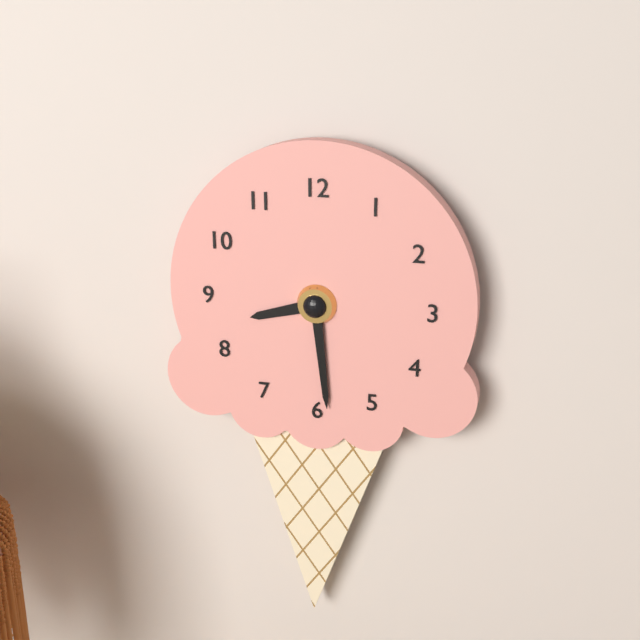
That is 8,29
